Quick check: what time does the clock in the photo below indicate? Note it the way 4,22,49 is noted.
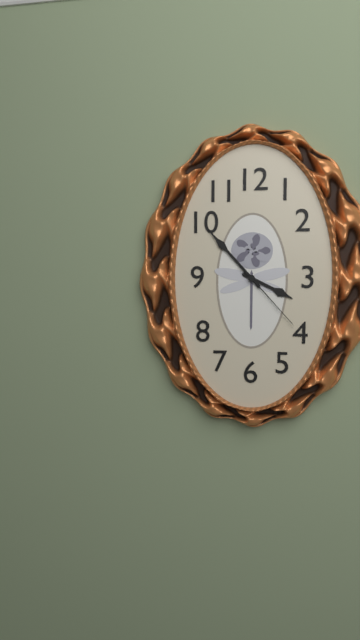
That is 3,53,23
